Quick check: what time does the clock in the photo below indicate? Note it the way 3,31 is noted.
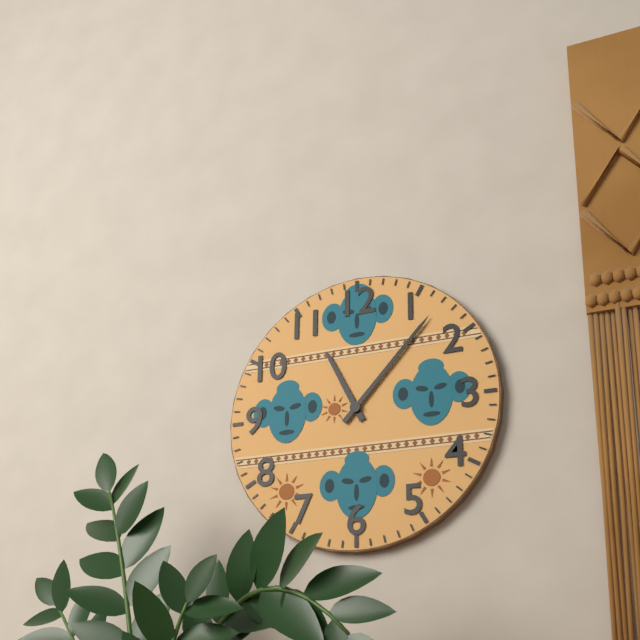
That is 11,07
